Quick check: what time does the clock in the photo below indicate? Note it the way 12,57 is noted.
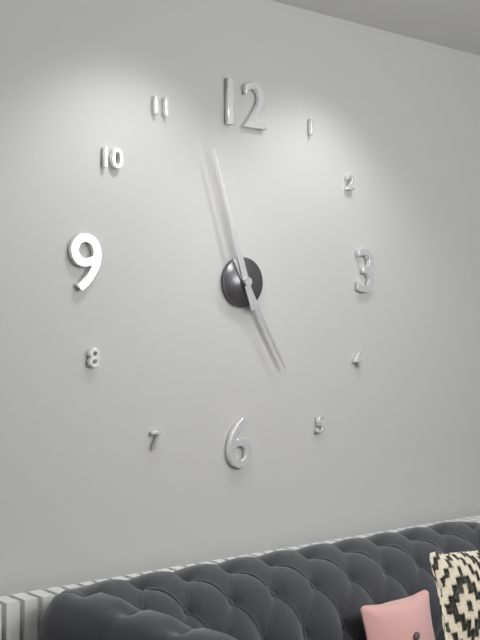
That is 4,57
